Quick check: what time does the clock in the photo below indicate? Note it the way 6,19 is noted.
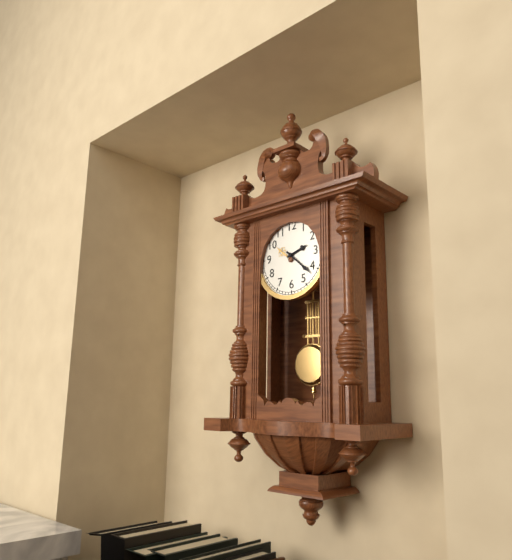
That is 2,22
